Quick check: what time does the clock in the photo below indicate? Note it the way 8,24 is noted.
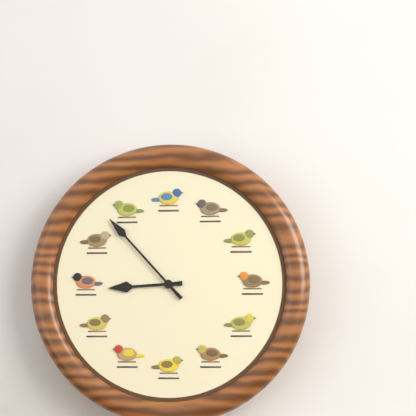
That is 8,53
